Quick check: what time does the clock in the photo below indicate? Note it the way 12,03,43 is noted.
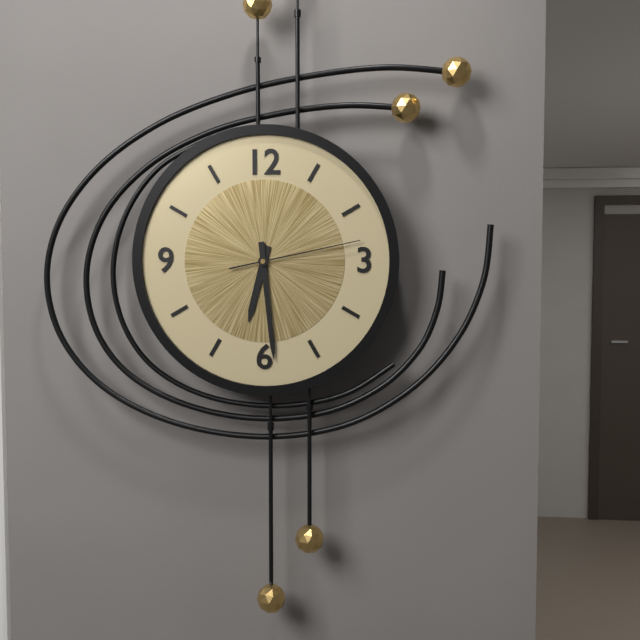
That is 6,29,13
